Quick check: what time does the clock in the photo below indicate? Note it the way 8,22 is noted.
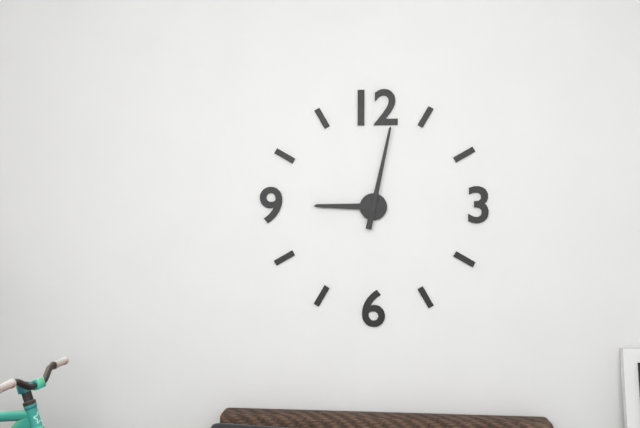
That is 9,02
